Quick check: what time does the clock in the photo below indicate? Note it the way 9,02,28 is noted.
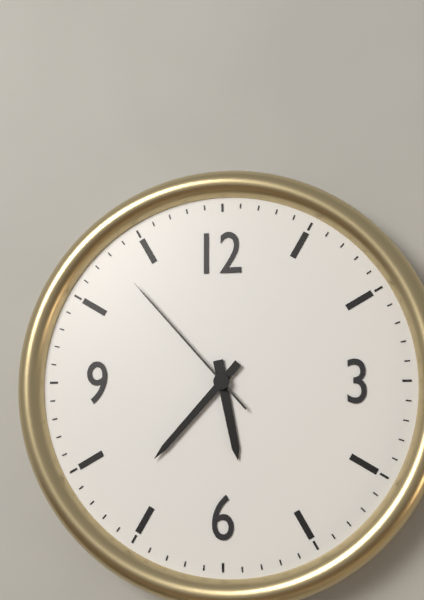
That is 5,37,53
